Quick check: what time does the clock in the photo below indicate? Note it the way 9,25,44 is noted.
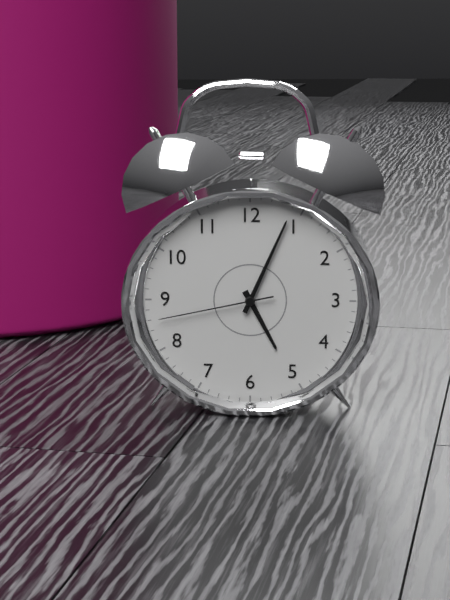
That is 5,04,43
